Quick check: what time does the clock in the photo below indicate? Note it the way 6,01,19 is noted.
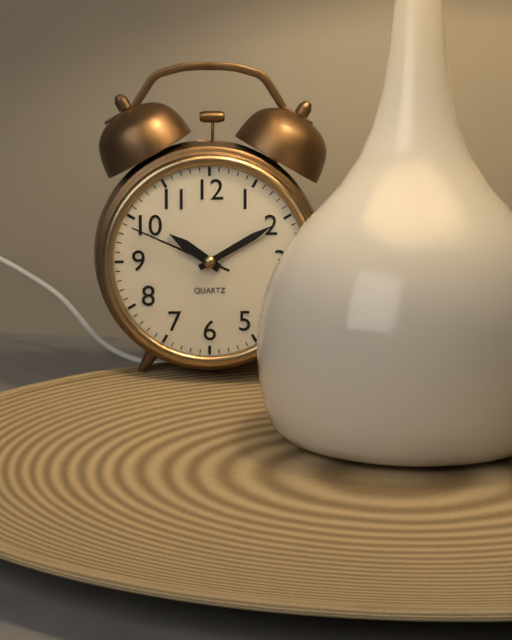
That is 10,10,49
